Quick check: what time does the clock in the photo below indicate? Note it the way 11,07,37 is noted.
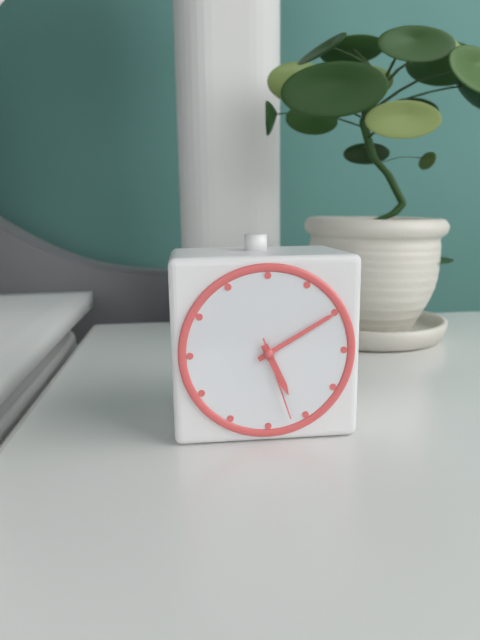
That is 5,10,27
